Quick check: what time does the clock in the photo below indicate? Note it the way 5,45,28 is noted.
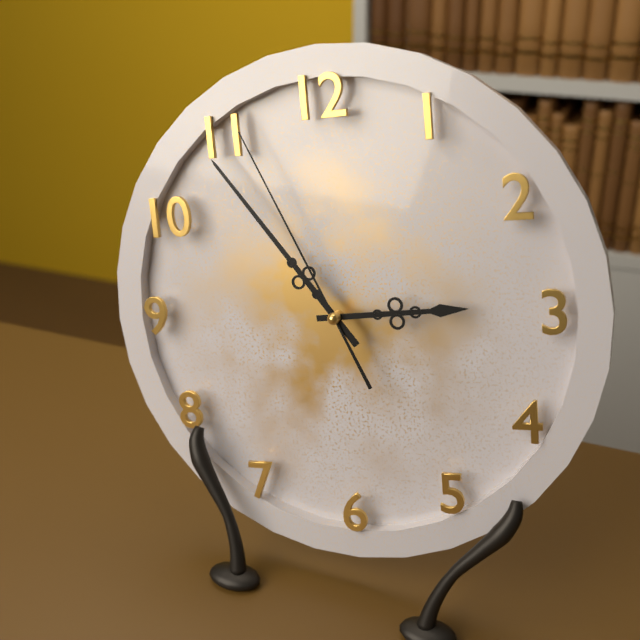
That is 2,54,56
